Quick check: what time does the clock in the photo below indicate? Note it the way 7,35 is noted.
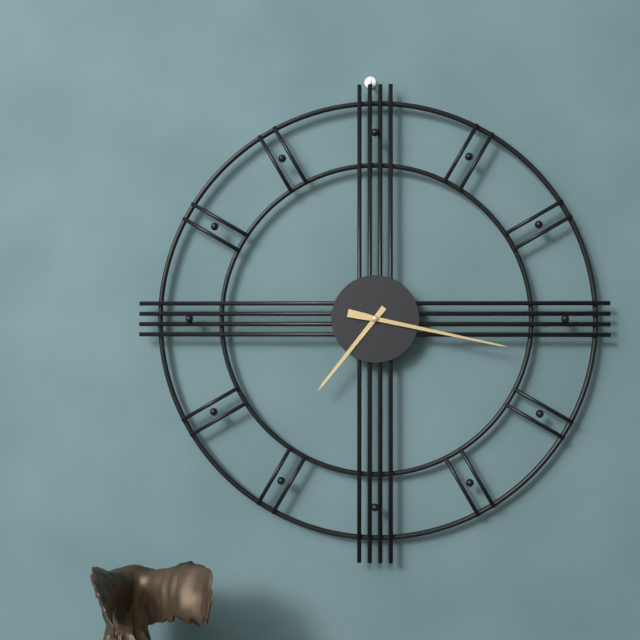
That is 7,17
